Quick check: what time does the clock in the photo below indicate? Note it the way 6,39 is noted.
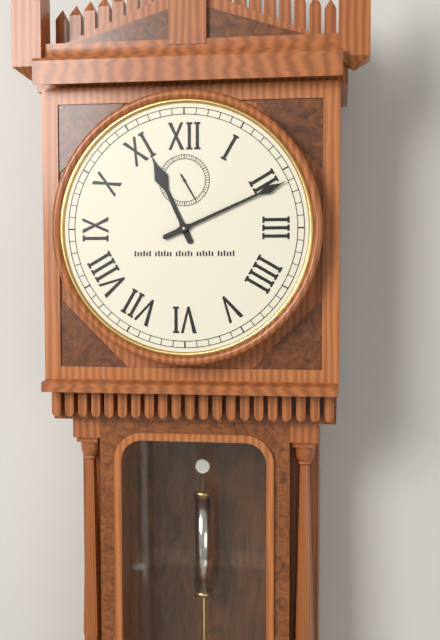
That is 11,11
